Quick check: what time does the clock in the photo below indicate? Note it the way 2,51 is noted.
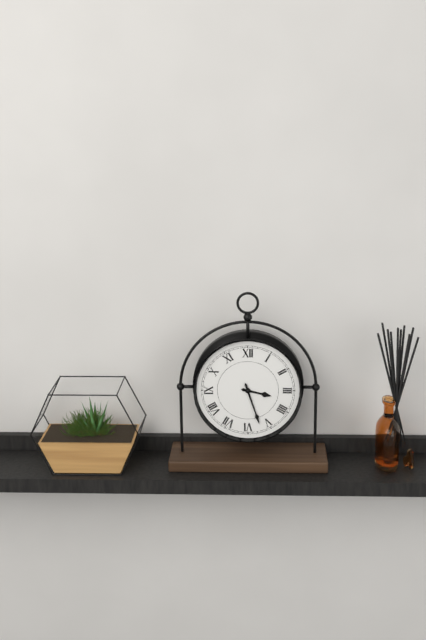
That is 3,27
